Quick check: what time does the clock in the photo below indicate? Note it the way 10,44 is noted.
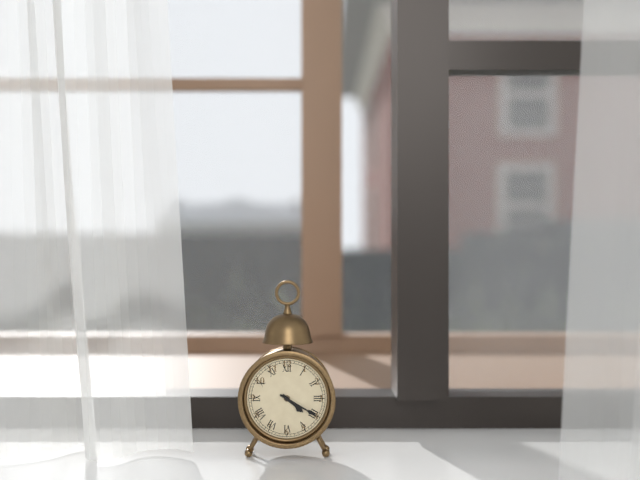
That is 4,20
